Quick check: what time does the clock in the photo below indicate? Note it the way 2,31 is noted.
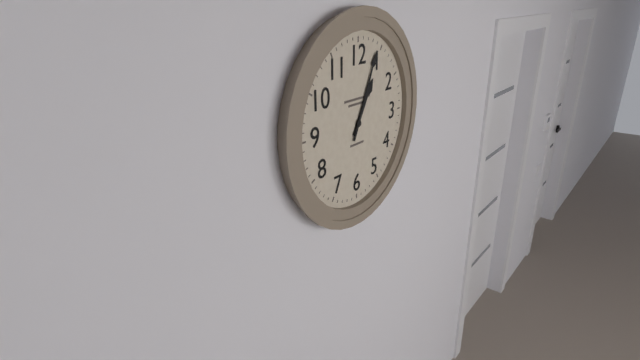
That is 1,04
